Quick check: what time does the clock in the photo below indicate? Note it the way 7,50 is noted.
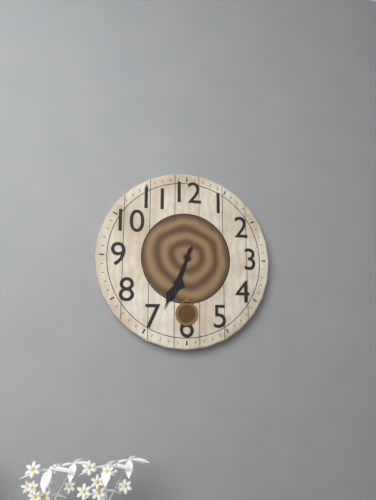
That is 6,34
